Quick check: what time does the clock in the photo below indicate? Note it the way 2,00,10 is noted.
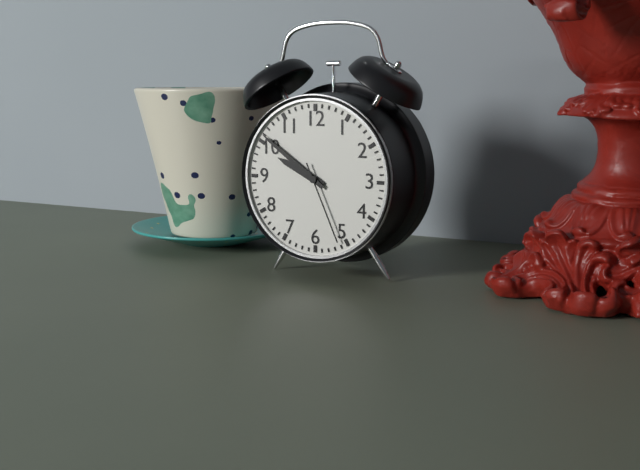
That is 9,51,26
